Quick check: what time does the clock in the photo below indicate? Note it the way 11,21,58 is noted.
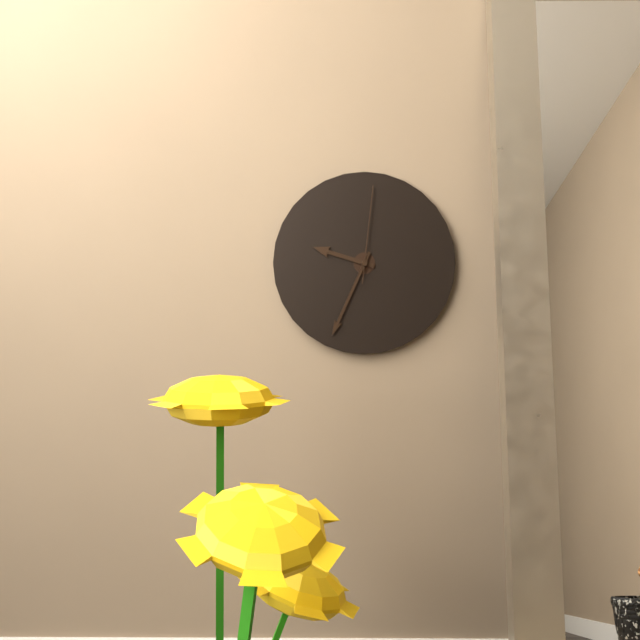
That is 9,34,01
